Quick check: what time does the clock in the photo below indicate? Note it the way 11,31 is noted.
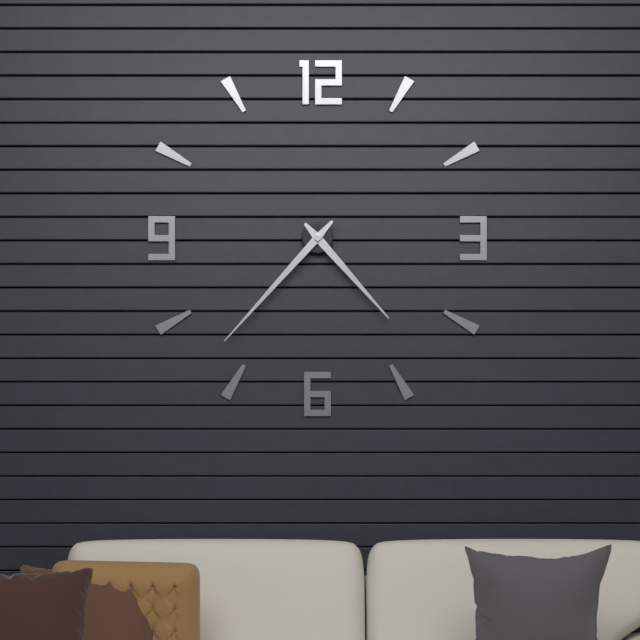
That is 4,37
